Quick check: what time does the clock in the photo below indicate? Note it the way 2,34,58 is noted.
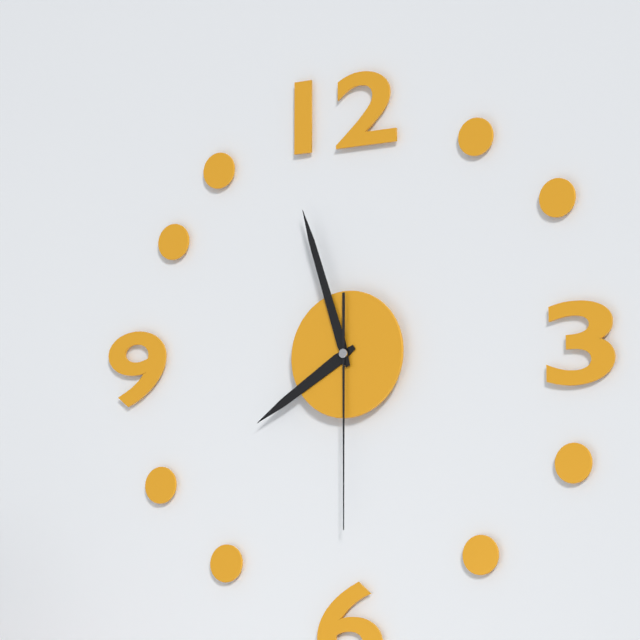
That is 7,57,30
